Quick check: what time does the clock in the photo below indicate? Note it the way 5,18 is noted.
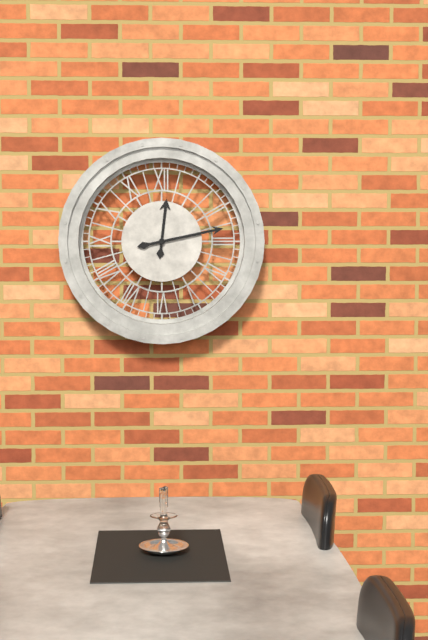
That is 12,13
